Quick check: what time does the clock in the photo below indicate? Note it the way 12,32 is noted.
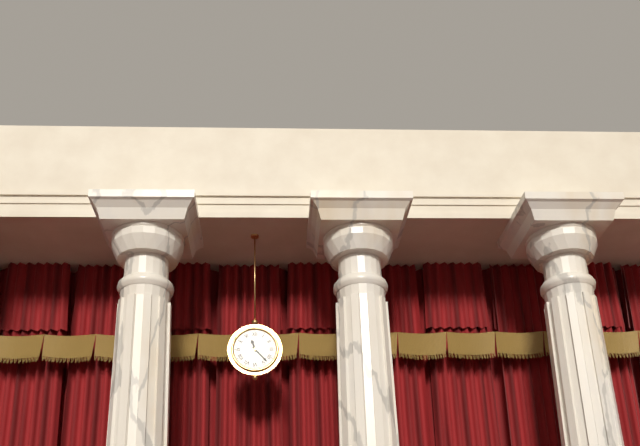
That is 11,23
